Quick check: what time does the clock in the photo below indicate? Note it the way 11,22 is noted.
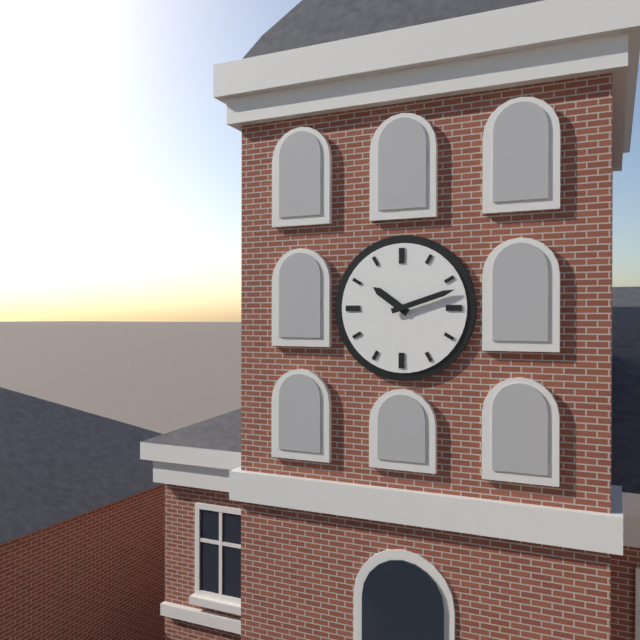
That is 10,12
